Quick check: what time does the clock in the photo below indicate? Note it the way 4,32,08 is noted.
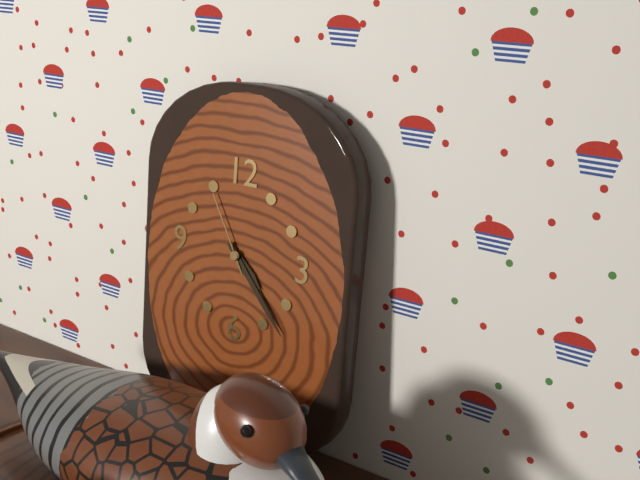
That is 4,23,55
